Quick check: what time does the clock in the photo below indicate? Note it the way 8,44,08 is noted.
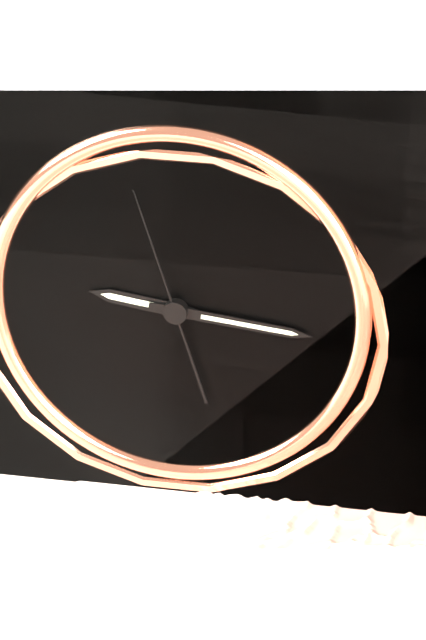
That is 9,16,57
